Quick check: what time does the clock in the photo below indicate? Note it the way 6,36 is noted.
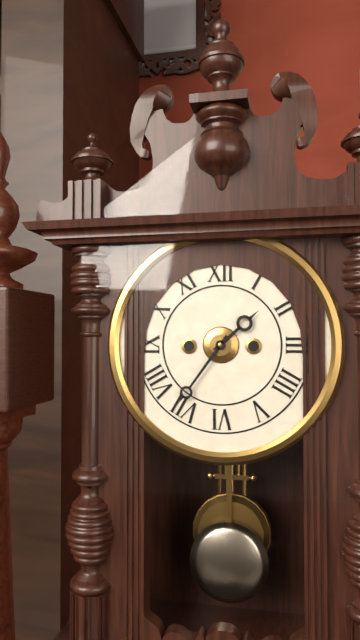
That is 1,36
